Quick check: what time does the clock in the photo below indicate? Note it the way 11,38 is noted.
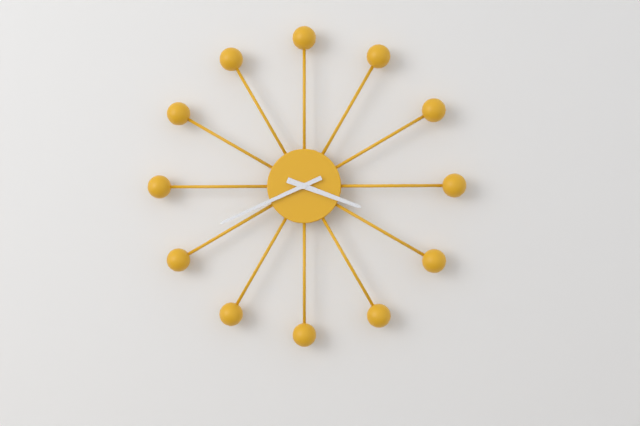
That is 3,41
